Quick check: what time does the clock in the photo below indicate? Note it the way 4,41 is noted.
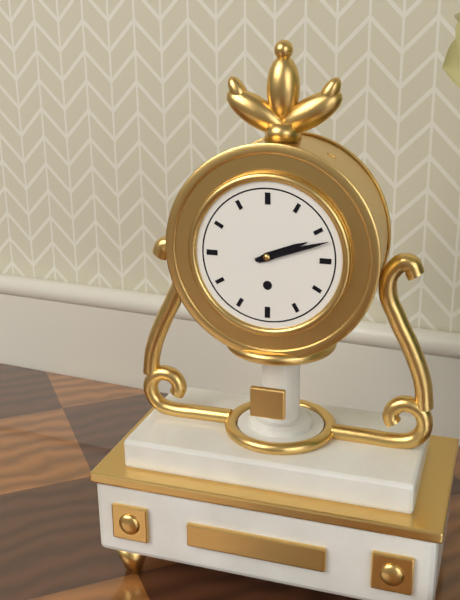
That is 2,12
